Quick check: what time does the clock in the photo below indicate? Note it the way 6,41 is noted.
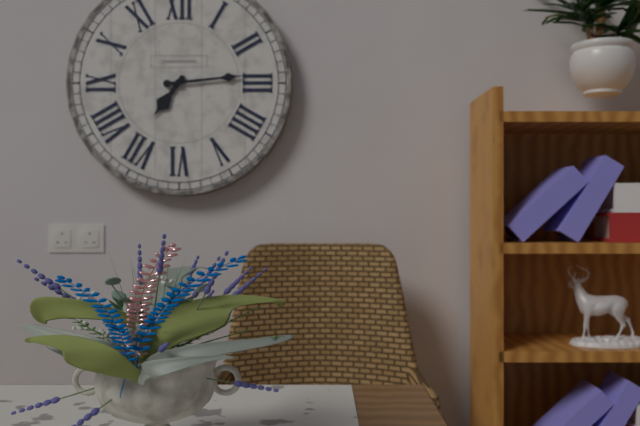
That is 7,14
